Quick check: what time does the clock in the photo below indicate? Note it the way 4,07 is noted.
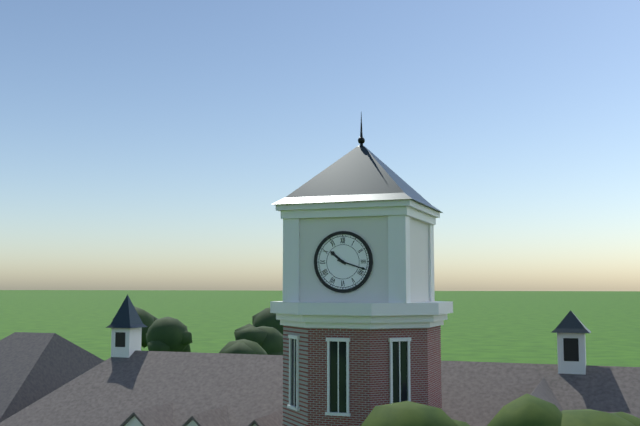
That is 10,18
